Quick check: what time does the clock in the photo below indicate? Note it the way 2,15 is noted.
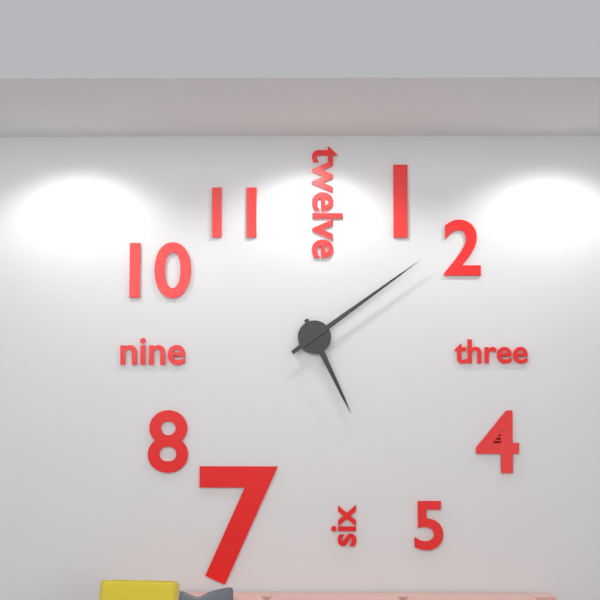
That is 5,09
